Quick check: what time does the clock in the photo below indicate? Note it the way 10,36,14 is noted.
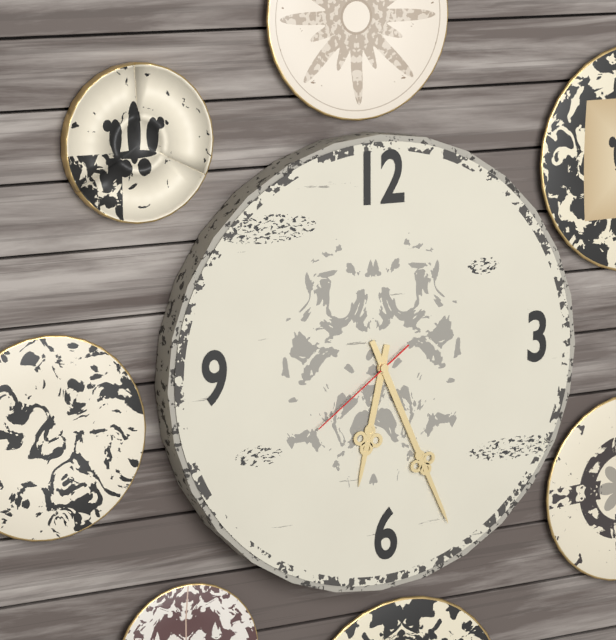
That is 6,26,39
